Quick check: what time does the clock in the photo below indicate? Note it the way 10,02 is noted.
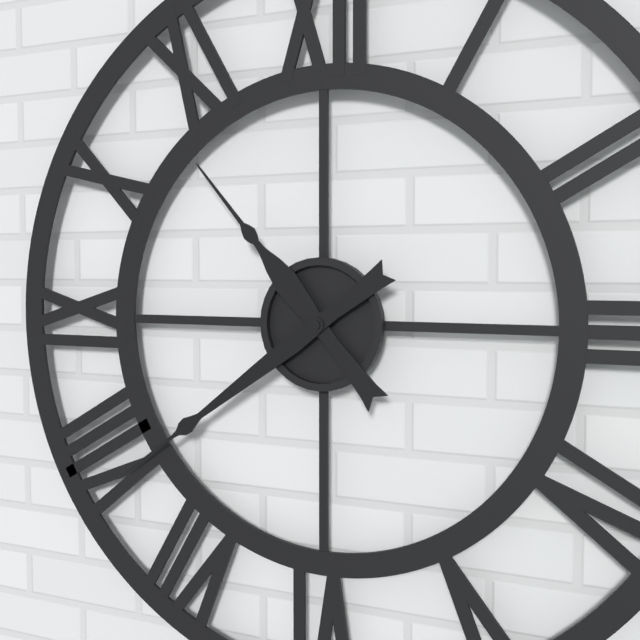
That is 10,39
